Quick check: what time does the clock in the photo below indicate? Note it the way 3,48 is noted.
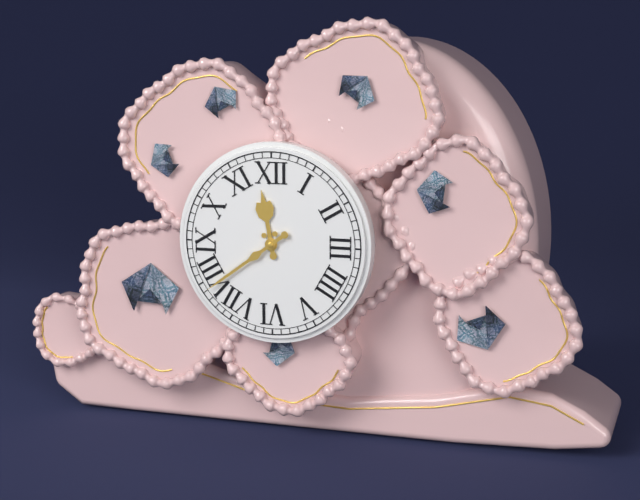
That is 11,39
